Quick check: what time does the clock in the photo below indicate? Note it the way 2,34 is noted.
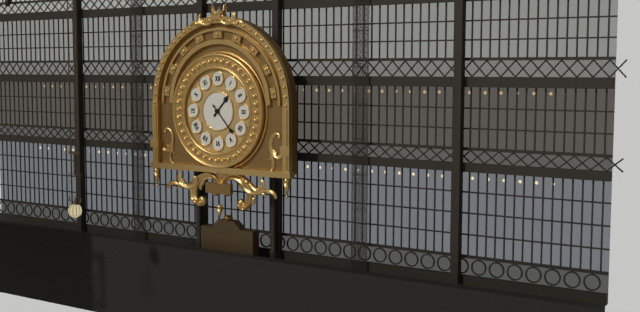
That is 1,23
